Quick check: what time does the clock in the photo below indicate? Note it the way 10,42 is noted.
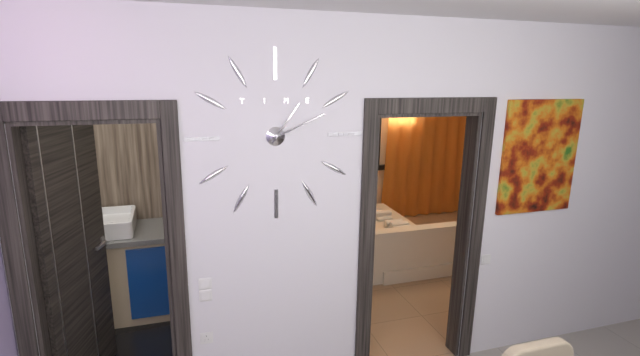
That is 1,11
